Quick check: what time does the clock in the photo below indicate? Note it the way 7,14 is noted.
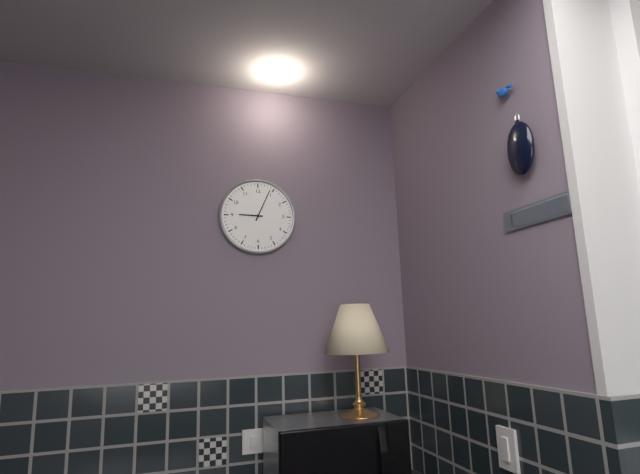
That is 9,04
